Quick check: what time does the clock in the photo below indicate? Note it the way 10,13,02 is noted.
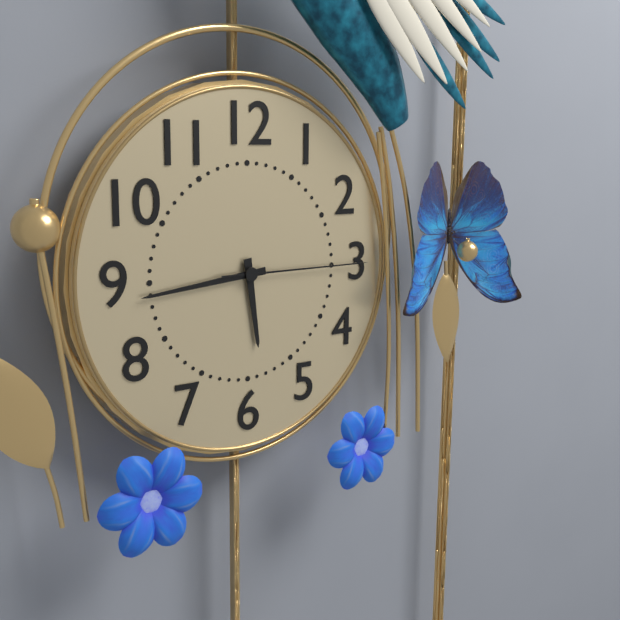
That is 5,44,15
